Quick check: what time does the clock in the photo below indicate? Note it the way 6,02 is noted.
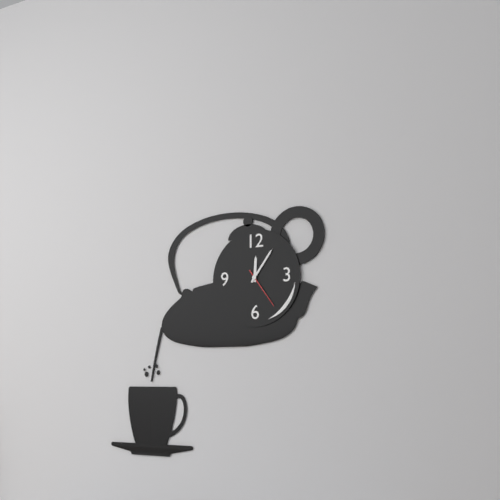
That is 12,06
